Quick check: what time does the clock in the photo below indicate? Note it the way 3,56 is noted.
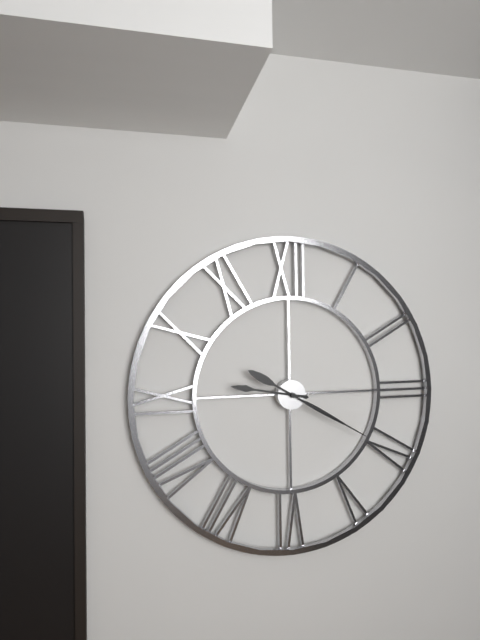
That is 9,20
